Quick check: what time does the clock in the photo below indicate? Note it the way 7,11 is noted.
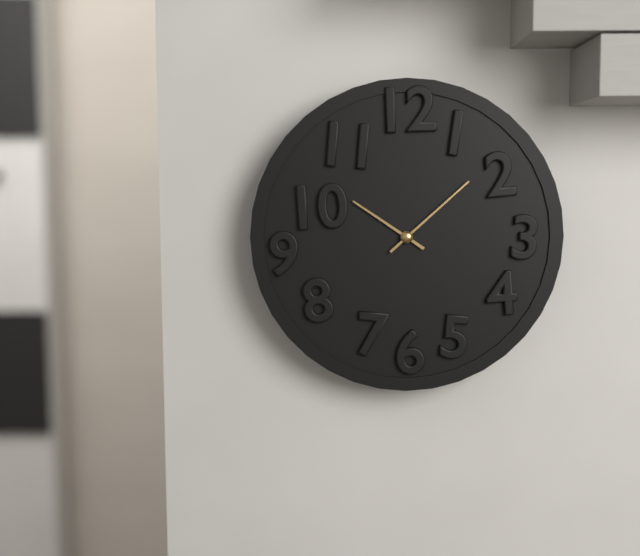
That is 10,08
